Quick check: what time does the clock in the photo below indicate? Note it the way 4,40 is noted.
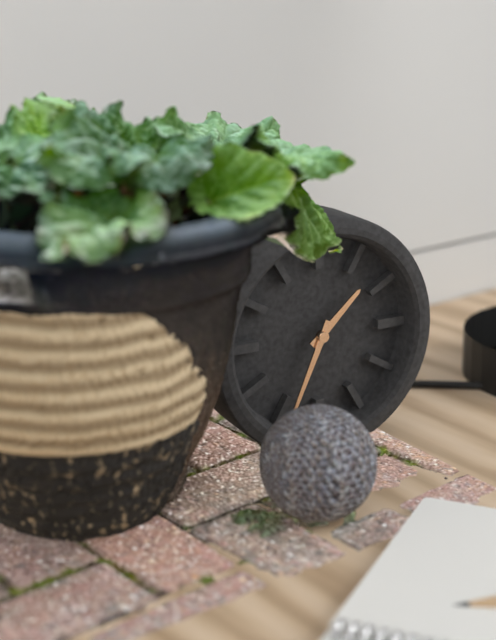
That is 1,34
